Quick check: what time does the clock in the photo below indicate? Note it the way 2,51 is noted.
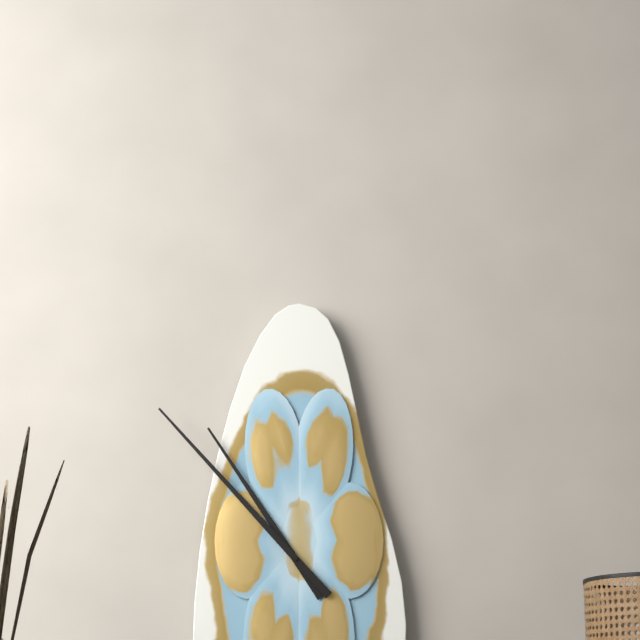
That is 10,53
